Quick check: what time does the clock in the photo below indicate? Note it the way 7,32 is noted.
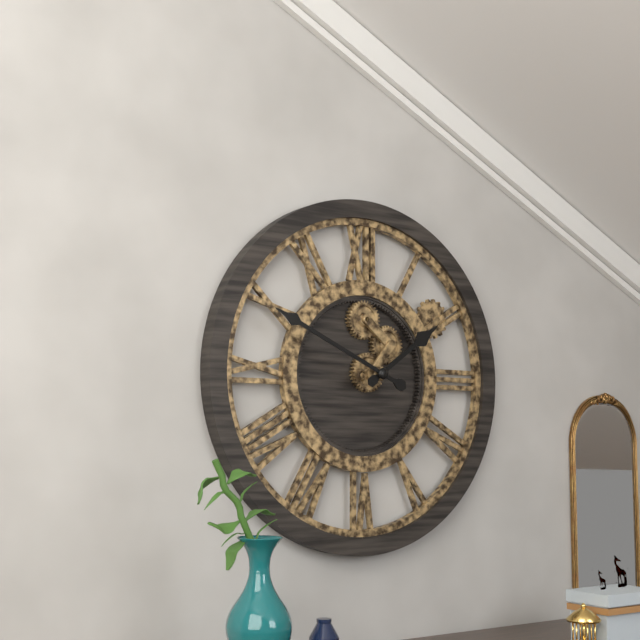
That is 1,49
